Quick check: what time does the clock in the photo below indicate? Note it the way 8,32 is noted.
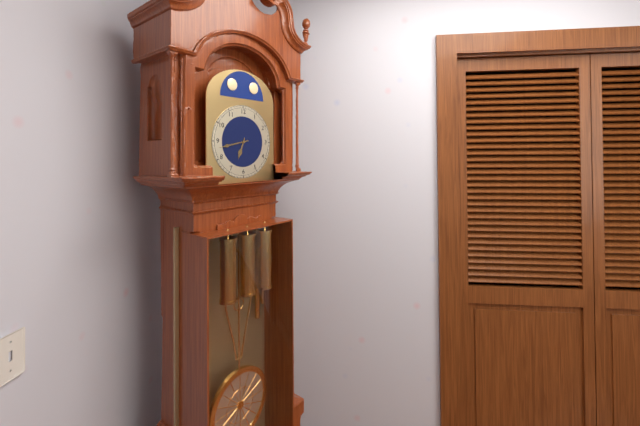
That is 6,43
